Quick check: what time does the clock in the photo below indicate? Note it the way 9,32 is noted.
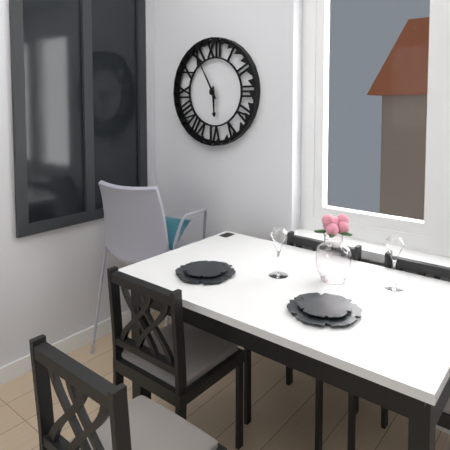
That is 5,55
